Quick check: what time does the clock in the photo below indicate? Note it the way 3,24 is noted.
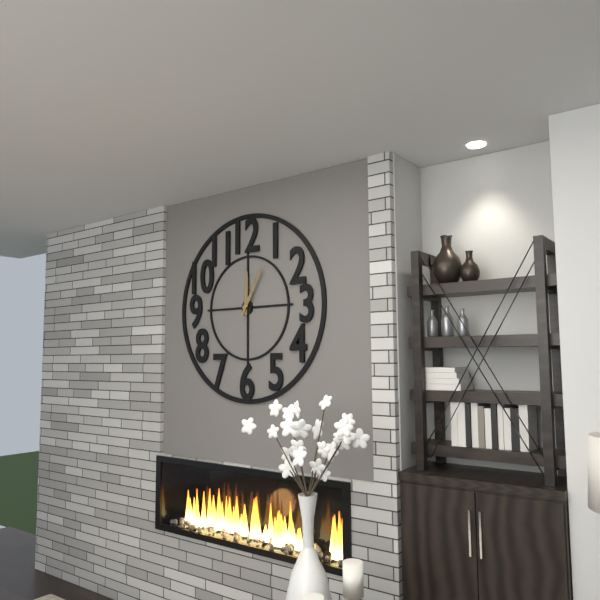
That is 12,05
